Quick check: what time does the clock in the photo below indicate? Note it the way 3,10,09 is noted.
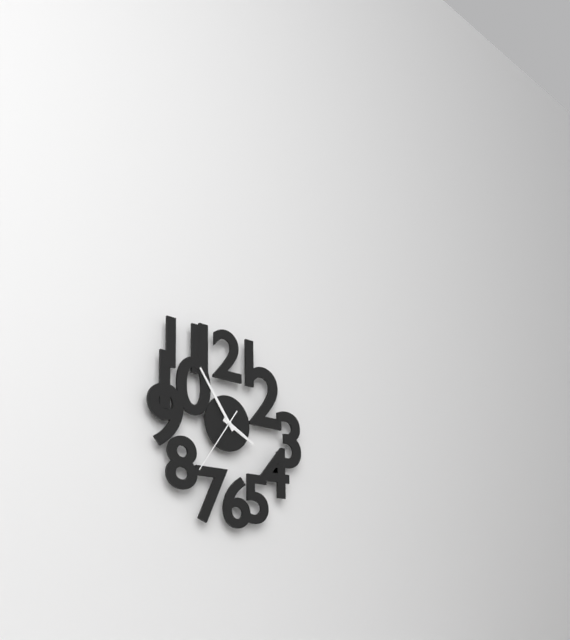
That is 3,54,36
